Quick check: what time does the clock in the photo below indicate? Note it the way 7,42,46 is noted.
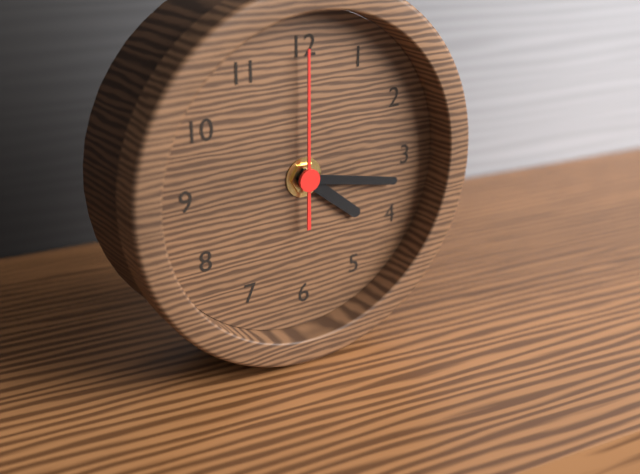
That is 4,17,00
